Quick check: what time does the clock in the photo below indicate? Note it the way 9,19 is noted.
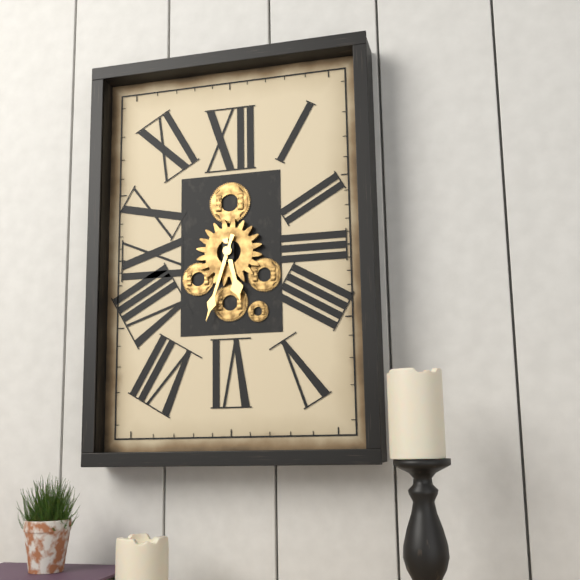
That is 5,33
